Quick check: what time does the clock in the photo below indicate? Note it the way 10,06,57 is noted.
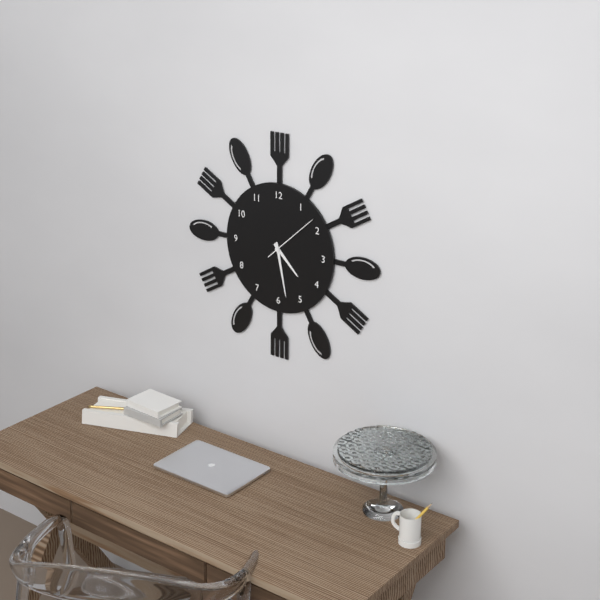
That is 4,28,08
